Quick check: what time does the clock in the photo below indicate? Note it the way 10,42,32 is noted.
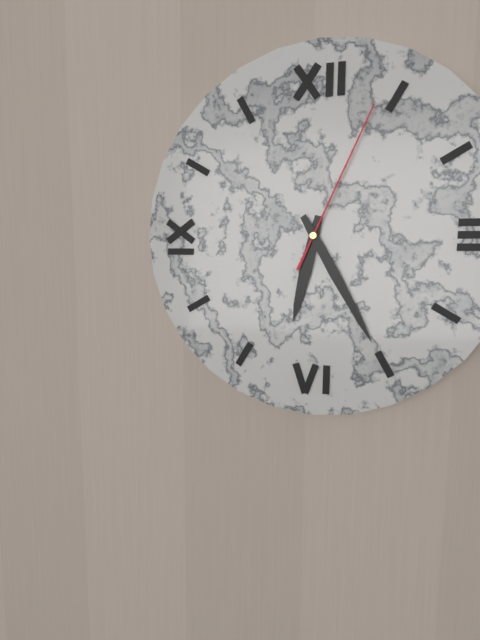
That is 6,25,04
